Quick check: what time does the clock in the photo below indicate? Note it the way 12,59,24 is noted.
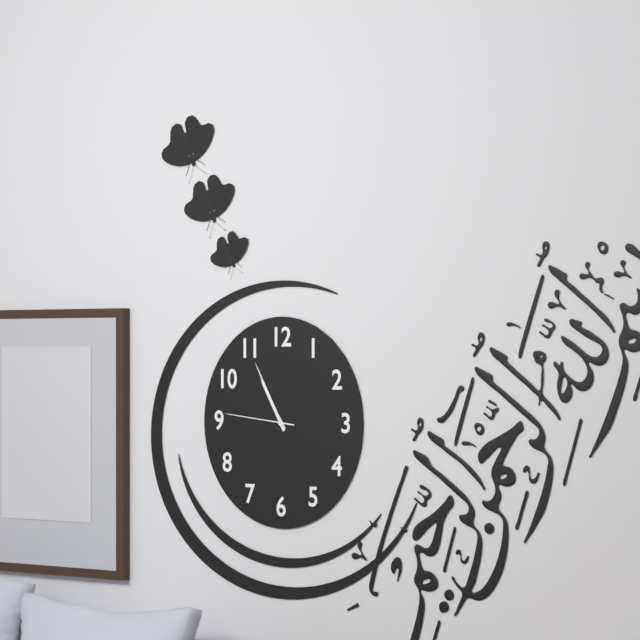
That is 10,55,46
